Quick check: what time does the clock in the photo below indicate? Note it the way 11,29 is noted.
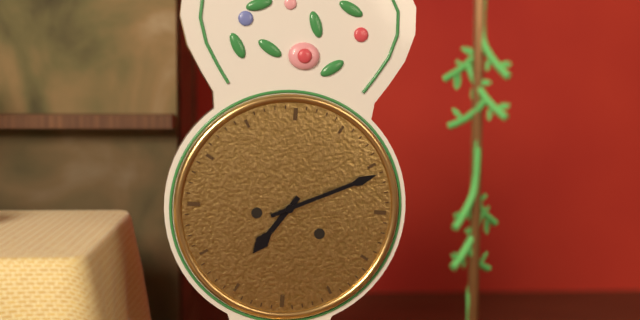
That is 7,11
